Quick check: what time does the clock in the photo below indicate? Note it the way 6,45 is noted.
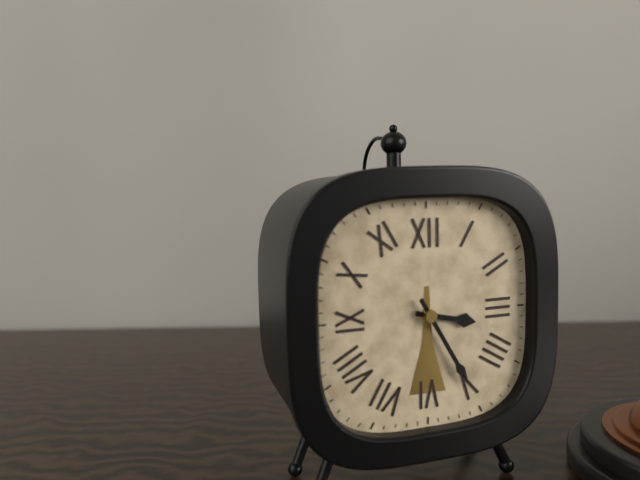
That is 3,25
